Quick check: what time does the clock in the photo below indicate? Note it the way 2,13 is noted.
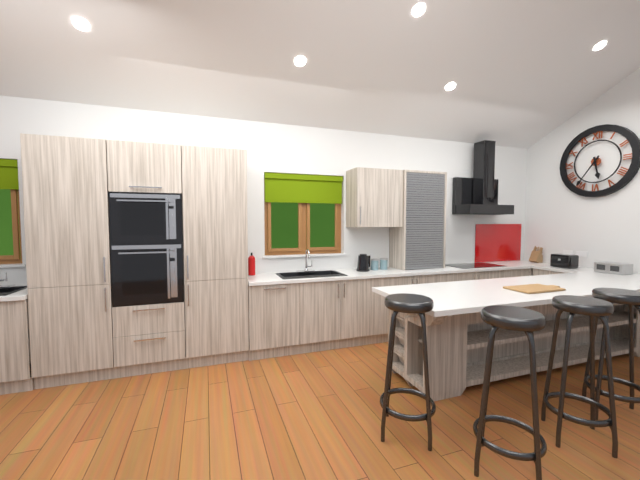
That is 5,36
